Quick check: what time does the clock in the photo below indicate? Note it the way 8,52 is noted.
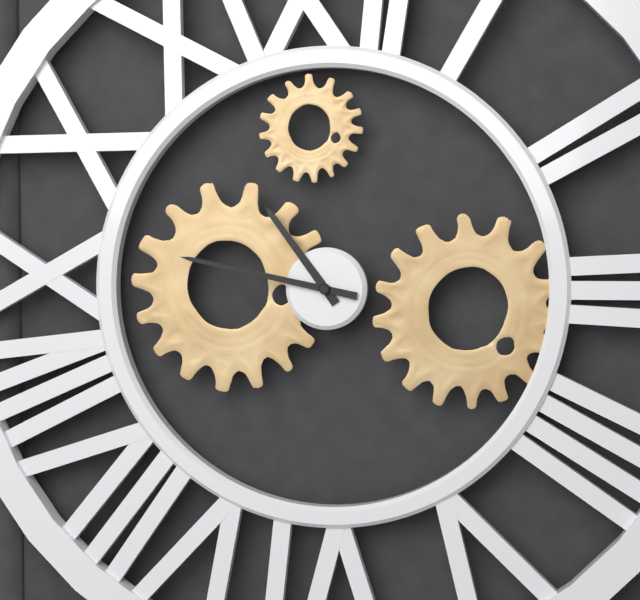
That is 10,47
